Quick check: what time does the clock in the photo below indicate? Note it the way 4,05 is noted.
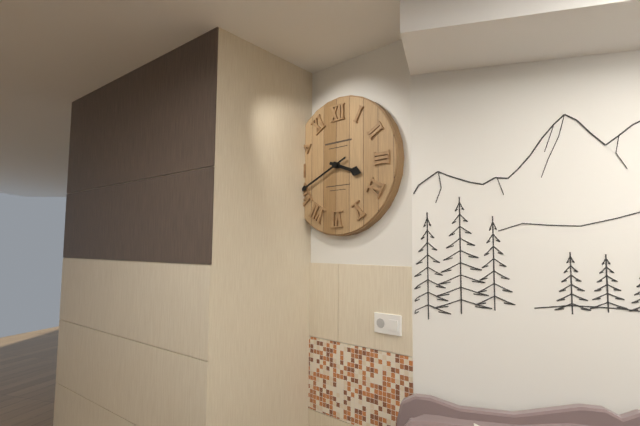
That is 3,41
